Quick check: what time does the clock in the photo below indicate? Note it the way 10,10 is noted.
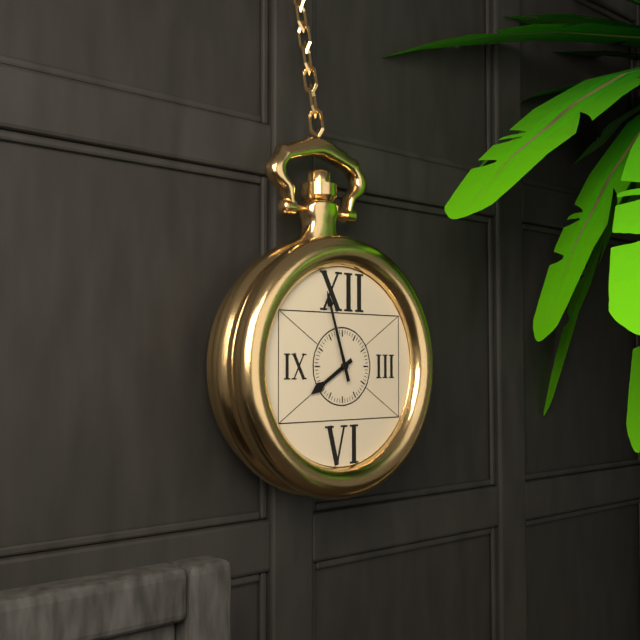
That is 7,57
